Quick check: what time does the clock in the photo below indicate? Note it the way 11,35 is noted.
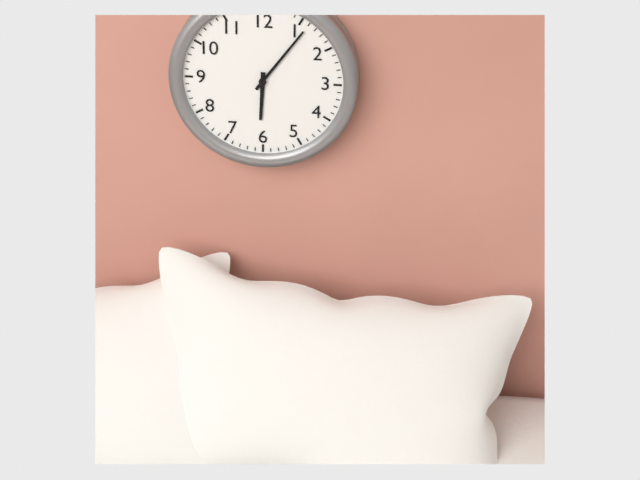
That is 6,06
